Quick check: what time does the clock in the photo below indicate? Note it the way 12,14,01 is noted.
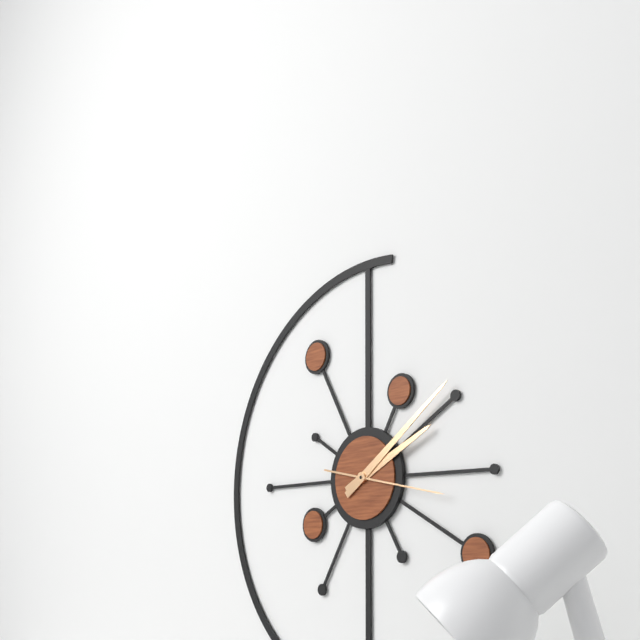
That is 2,09,17
